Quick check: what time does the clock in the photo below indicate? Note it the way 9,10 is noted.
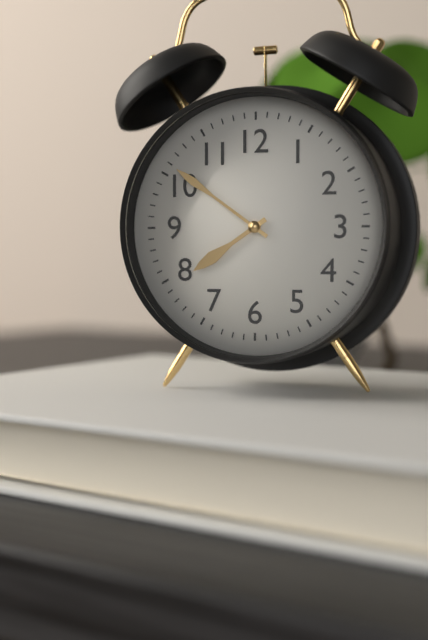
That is 7,51
